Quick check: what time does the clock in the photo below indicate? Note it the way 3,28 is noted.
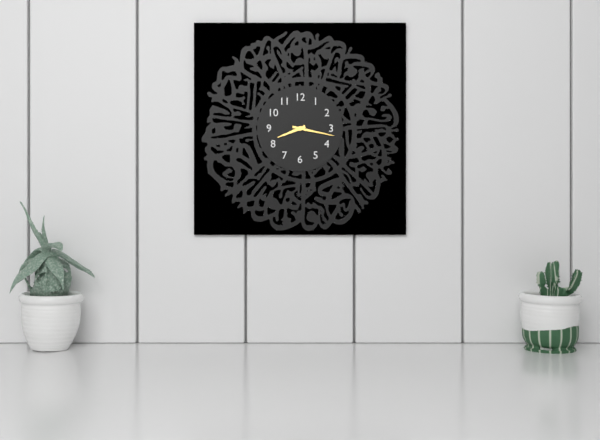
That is 8,17
